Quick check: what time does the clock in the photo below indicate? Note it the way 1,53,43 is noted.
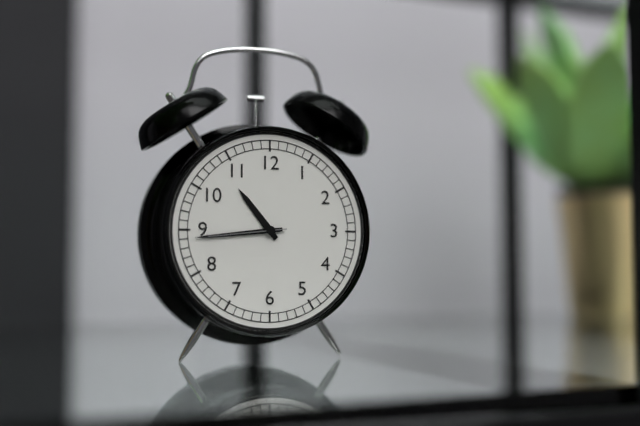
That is 10,44,44
